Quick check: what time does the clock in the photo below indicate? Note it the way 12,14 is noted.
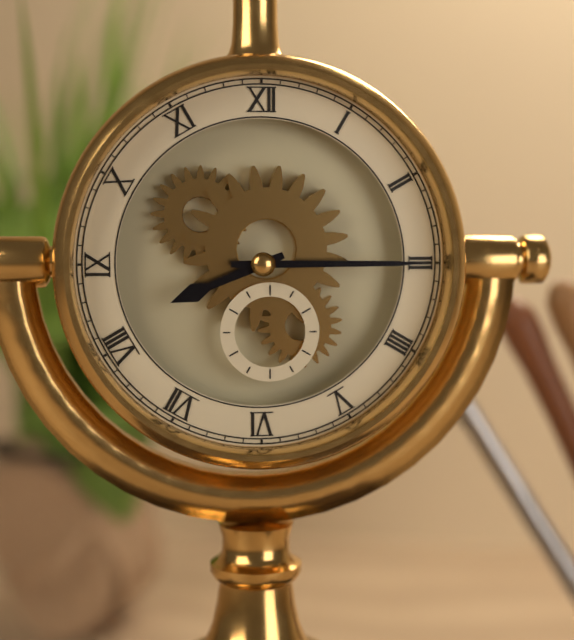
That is 8,15
